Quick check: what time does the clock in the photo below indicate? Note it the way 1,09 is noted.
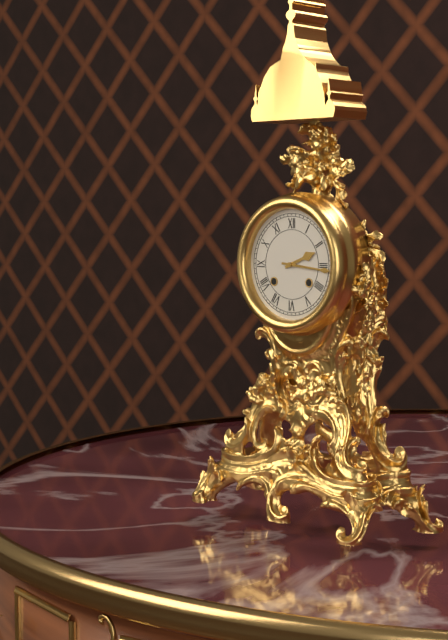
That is 2,16
